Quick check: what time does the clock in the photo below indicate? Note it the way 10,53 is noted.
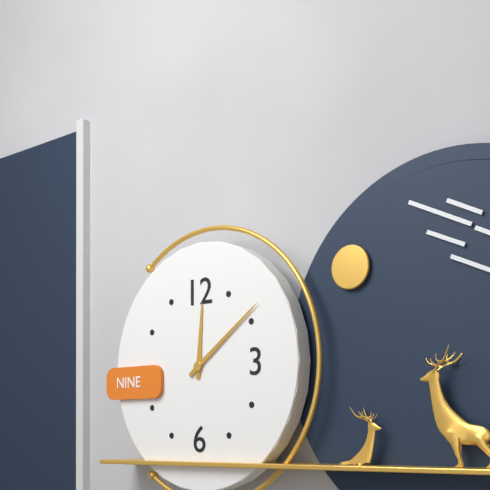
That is 12,09
